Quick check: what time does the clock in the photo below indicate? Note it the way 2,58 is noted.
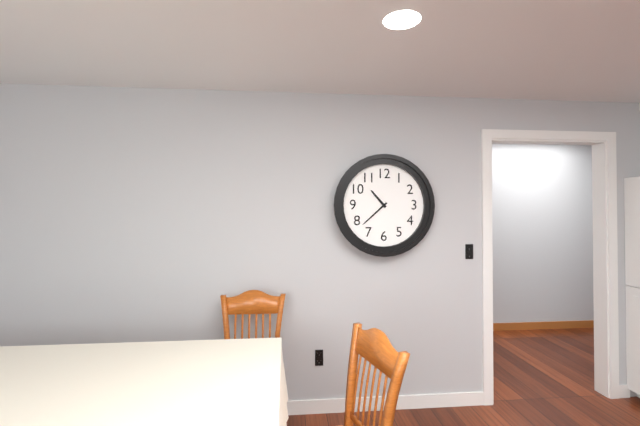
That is 10,38
